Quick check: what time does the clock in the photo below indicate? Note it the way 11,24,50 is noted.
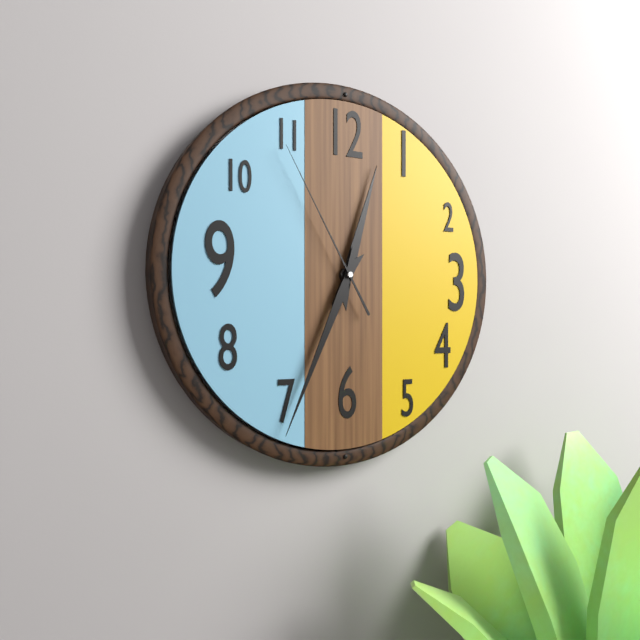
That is 12,34,55
